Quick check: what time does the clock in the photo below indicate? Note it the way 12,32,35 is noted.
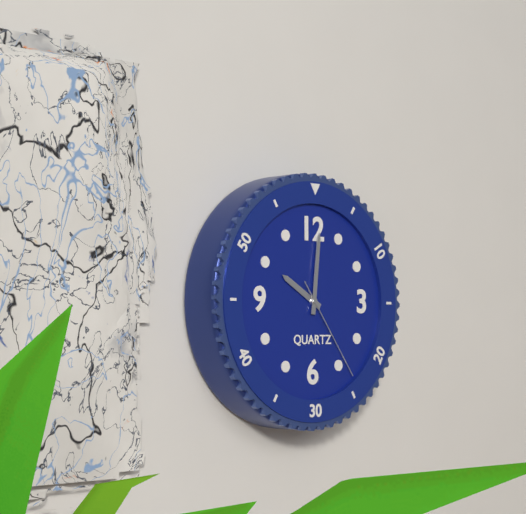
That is 10,01,24
